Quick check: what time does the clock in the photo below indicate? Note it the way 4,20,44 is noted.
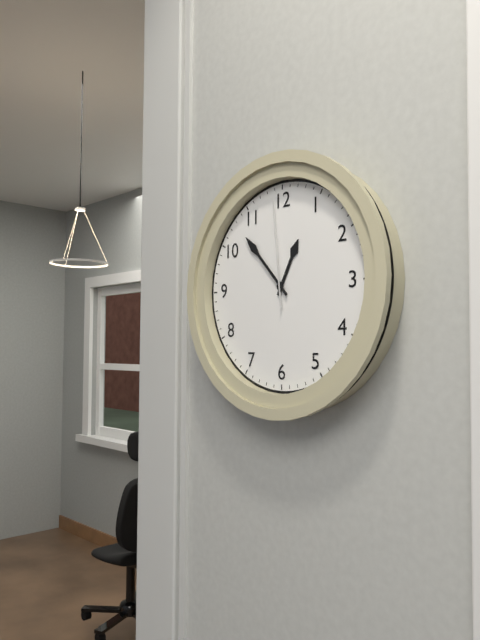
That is 12,53,59
